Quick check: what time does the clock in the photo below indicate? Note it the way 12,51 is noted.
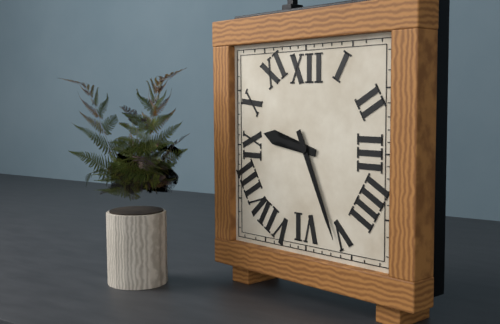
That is 9,26
